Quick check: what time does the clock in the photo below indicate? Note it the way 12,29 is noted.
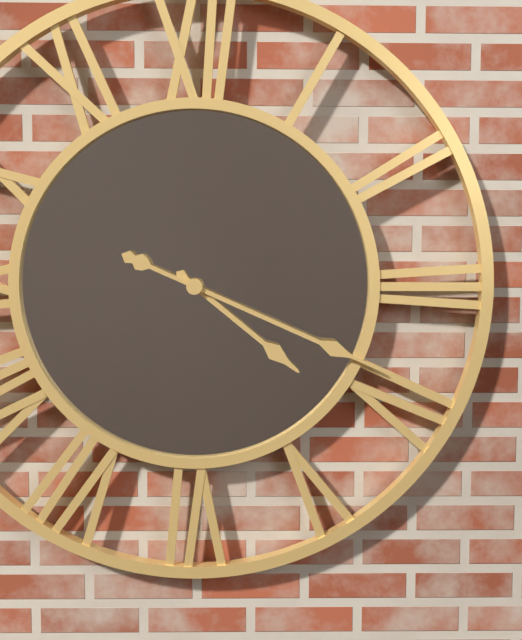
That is 4,19
